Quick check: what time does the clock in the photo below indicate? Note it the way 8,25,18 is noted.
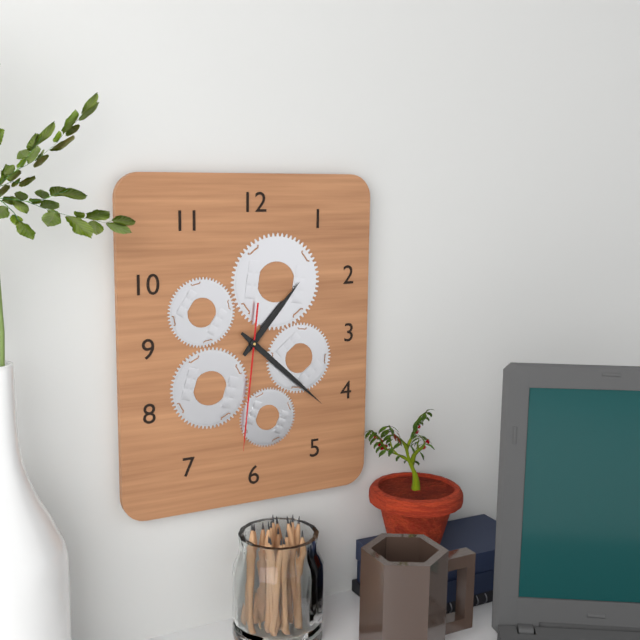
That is 1,22,31
